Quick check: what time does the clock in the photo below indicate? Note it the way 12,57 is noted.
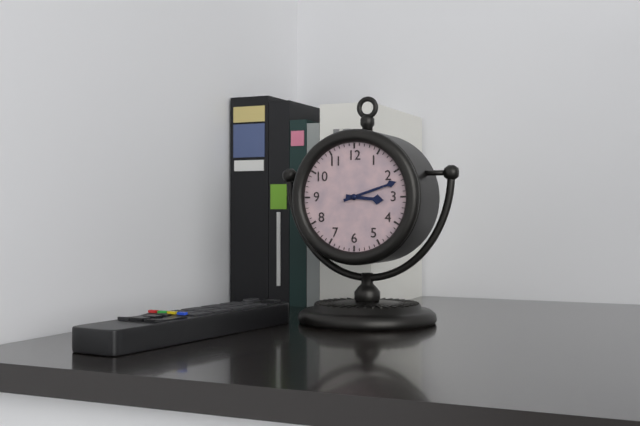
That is 3,12
